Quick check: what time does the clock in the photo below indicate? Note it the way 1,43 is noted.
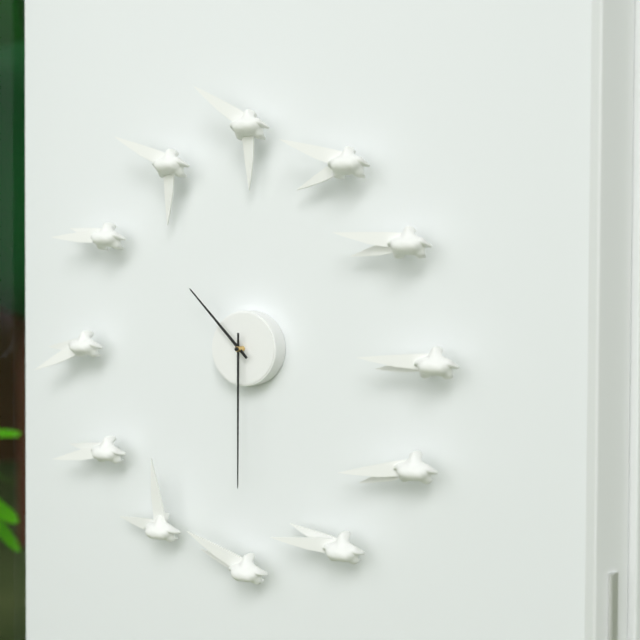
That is 10,30
